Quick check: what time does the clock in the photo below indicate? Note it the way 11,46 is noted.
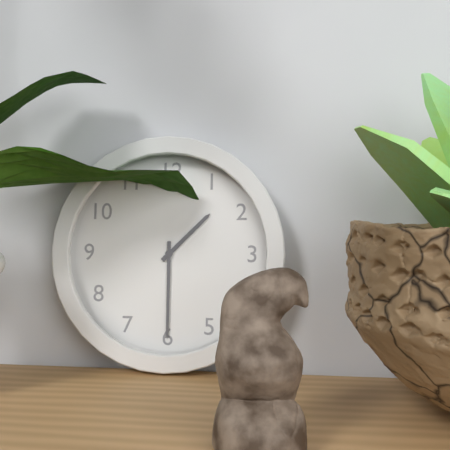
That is 1,30
